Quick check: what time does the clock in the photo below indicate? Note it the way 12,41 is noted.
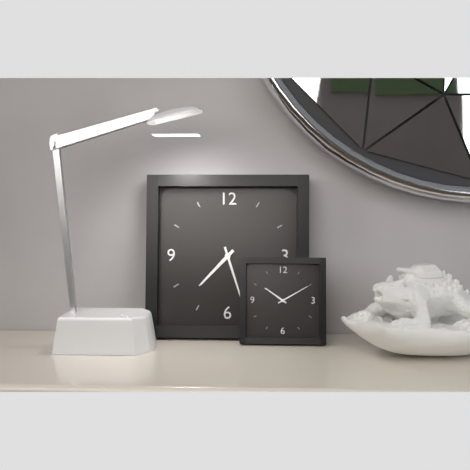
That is 7,27
